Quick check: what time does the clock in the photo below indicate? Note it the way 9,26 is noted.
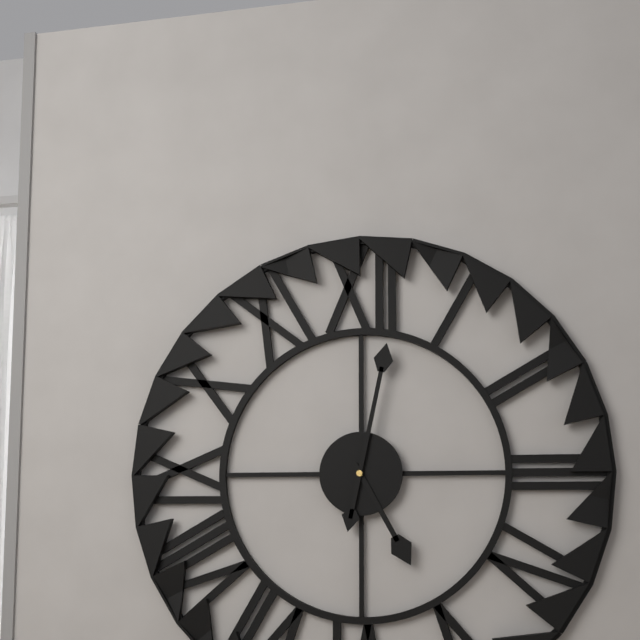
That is 5,02
